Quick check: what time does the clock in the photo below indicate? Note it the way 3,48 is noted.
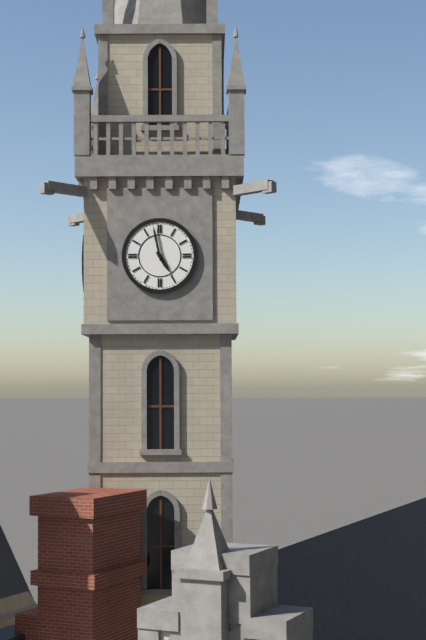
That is 4,58
